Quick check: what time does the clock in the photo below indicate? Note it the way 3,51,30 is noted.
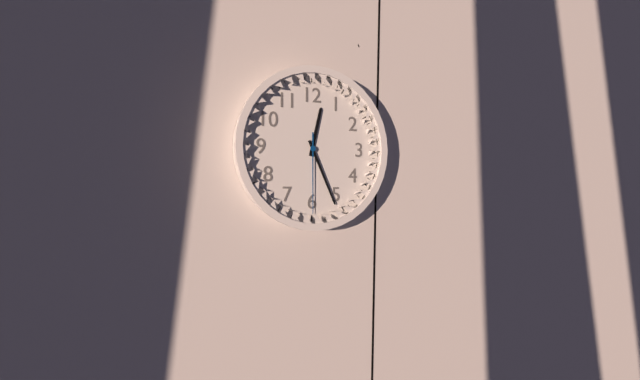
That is 12,26,30
